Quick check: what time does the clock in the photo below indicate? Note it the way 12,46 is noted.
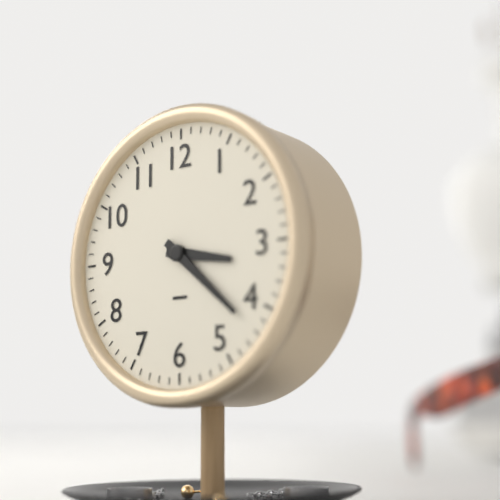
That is 3,22
